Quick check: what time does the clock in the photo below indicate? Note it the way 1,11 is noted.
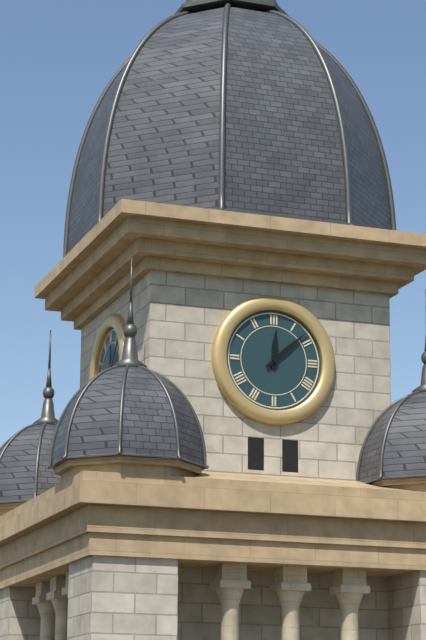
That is 12,08
